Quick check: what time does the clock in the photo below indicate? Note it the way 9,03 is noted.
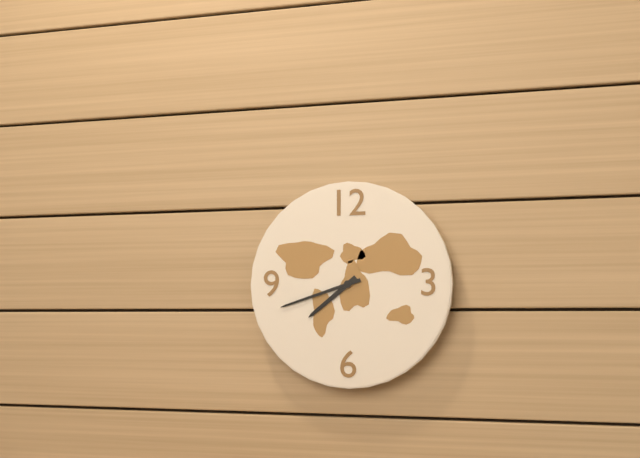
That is 7,42
